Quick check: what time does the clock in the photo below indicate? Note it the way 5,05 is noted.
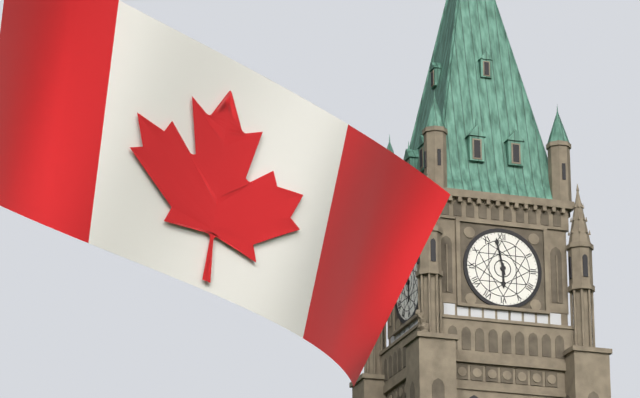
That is 5,58
